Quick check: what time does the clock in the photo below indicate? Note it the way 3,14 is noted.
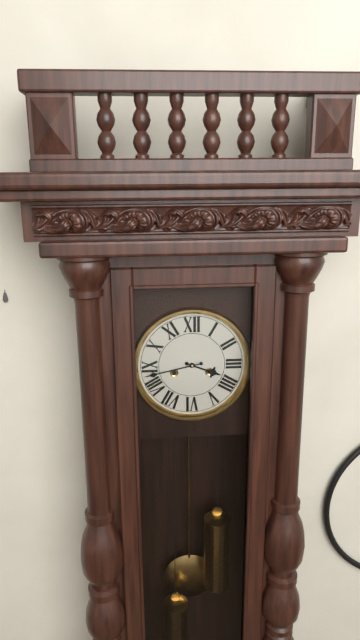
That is 3,43
